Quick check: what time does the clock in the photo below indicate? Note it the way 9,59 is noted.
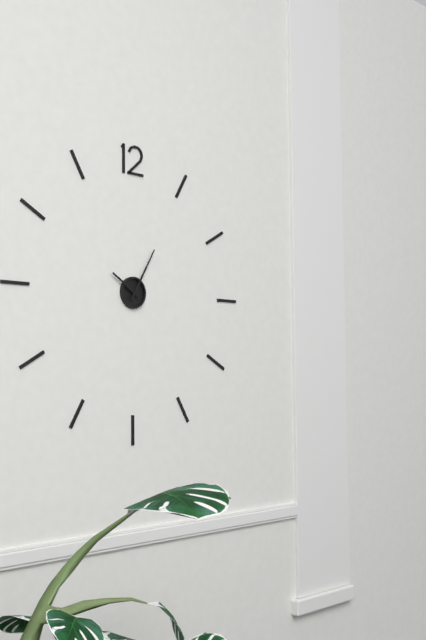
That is 10,05
